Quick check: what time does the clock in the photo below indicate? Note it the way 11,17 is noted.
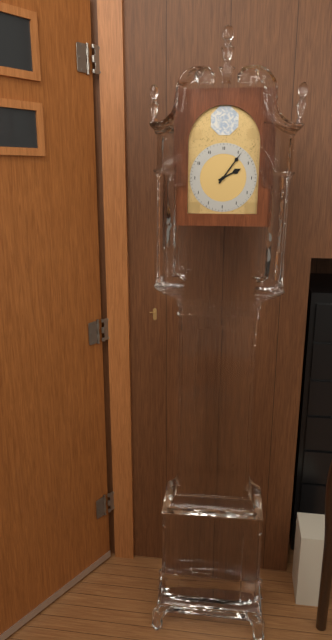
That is 2,06
